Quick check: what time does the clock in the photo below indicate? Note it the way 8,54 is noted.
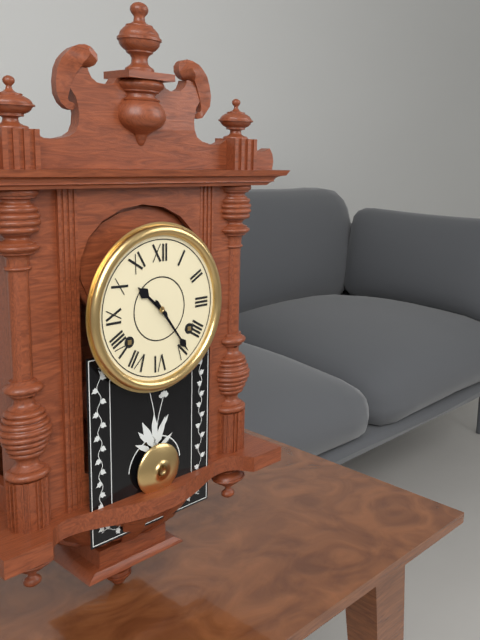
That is 10,24
